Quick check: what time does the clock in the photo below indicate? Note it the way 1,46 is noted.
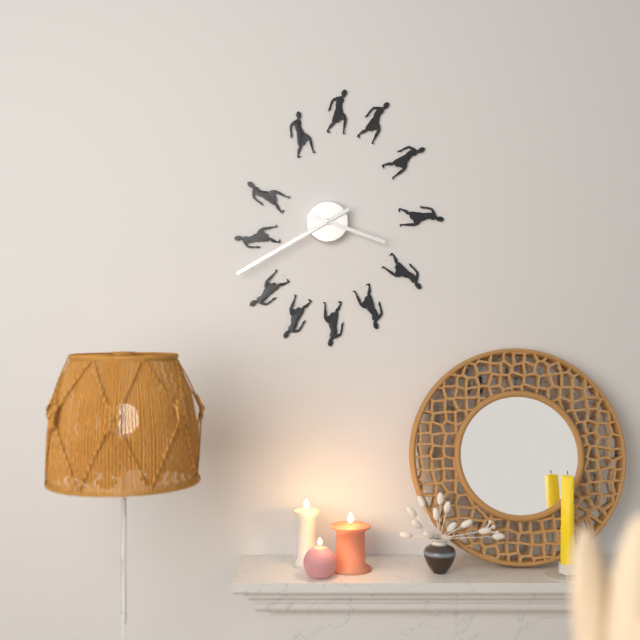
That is 3,40
